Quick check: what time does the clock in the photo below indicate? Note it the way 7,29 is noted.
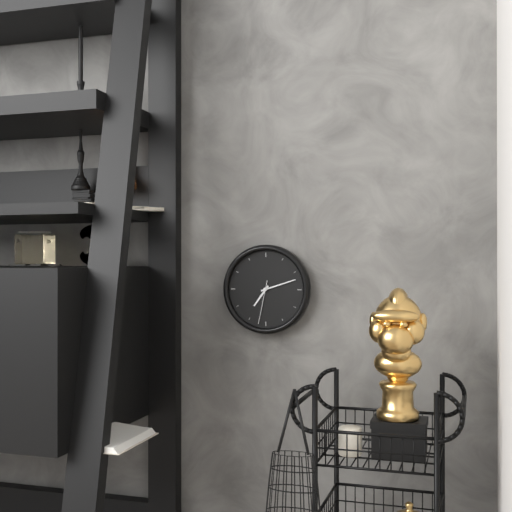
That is 7,12
